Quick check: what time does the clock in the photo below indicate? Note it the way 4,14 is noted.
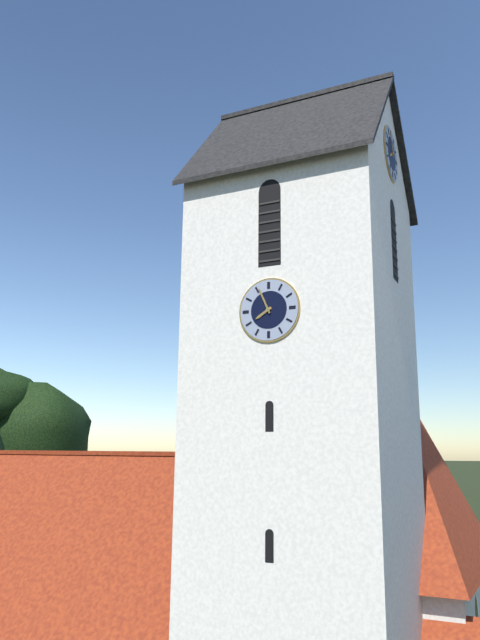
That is 7,56
